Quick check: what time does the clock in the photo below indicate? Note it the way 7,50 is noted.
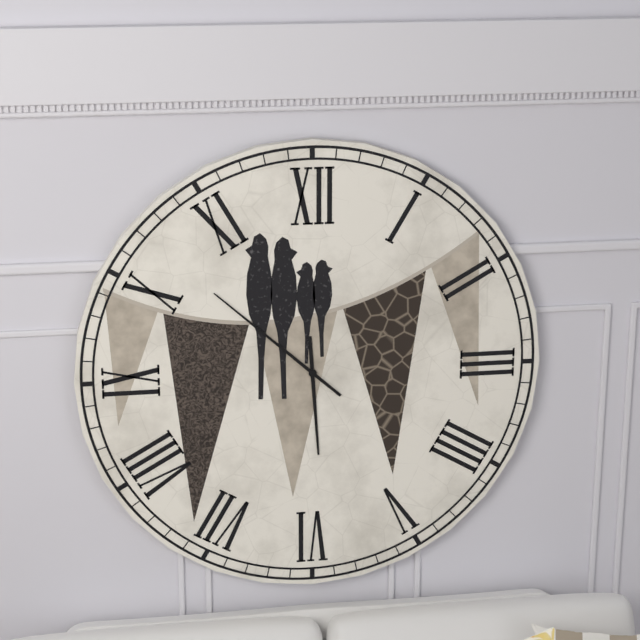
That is 5,52
